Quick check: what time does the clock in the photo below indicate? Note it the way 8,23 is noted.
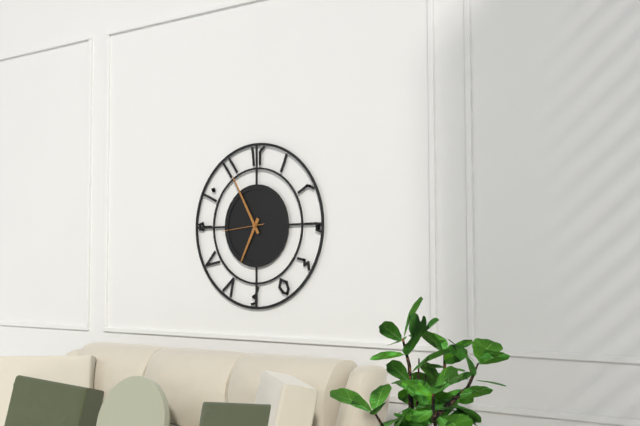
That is 6,55
